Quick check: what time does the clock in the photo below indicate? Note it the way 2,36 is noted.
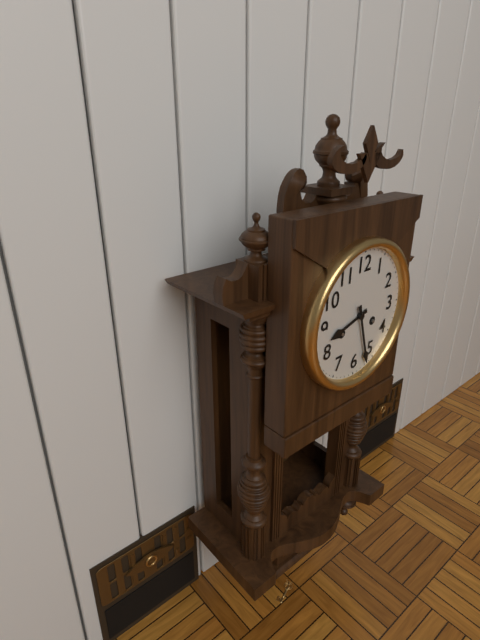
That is 8,27
